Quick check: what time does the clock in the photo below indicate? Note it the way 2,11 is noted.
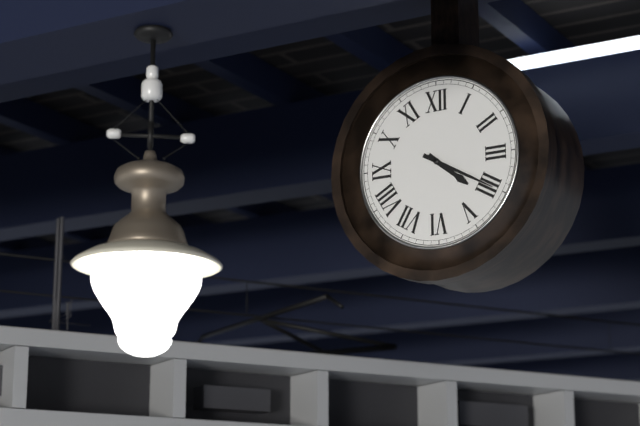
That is 4,20
